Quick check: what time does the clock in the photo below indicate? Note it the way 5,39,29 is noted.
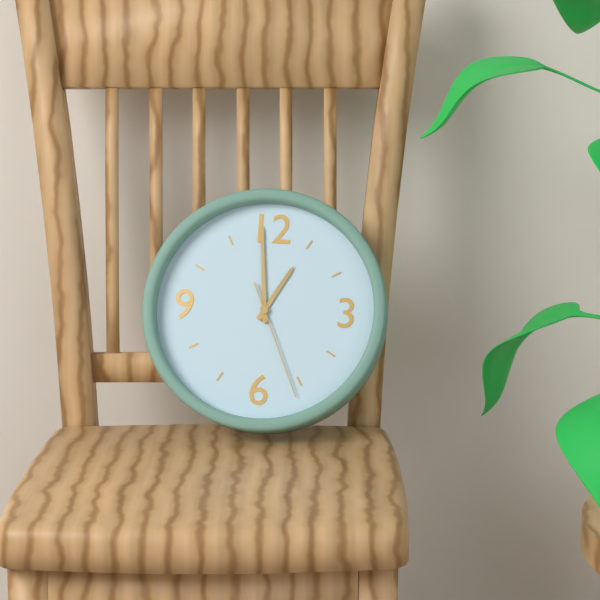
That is 12,59,26
